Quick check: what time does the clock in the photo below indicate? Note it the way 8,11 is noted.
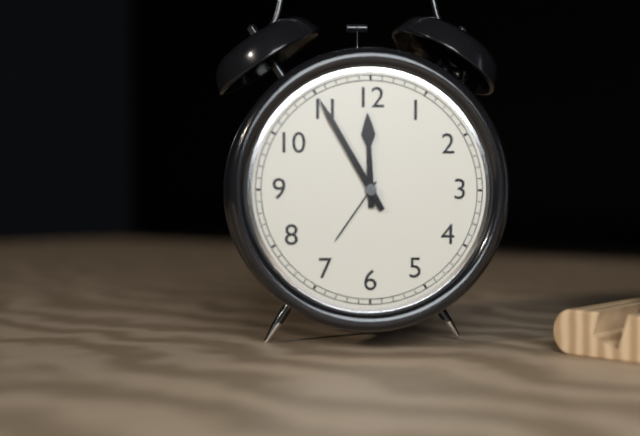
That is 11,55
